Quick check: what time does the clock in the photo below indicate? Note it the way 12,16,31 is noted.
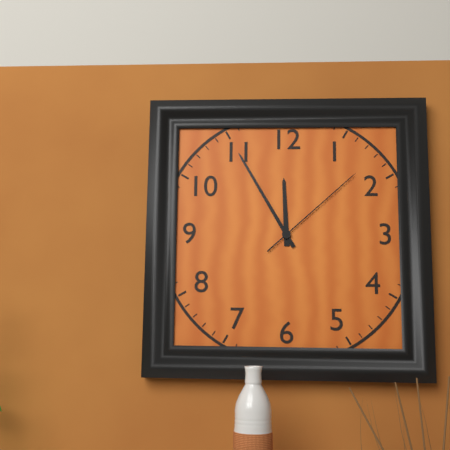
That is 11,55,08
